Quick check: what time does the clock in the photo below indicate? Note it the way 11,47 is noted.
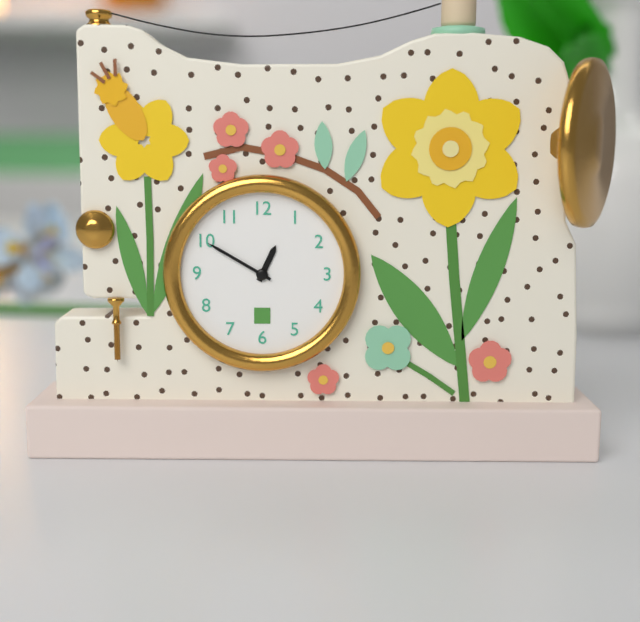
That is 12,50
